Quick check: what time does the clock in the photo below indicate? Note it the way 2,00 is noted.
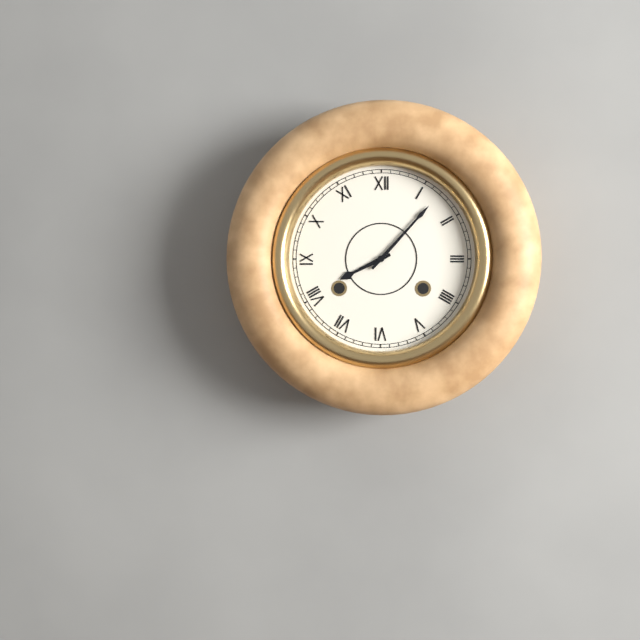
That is 8,07
